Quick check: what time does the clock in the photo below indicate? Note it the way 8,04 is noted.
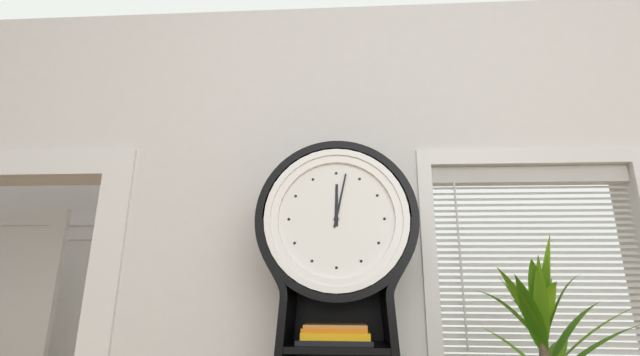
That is 12,02
